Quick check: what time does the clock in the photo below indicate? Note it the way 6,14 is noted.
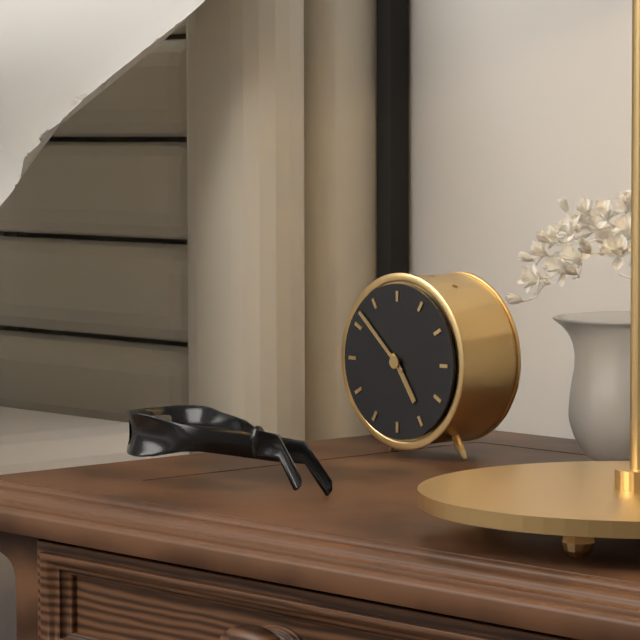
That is 4,52
